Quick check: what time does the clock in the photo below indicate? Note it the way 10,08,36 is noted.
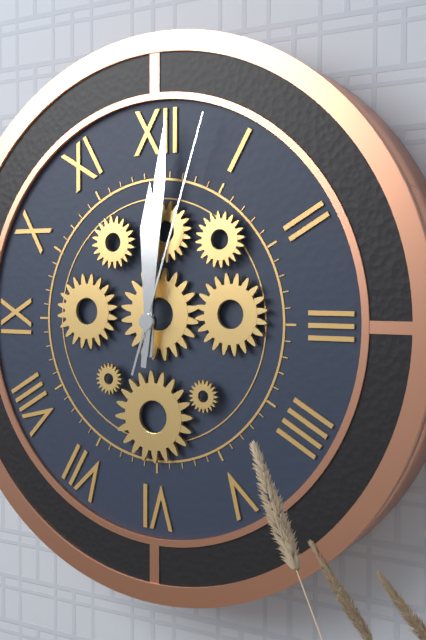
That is 12,01,03
